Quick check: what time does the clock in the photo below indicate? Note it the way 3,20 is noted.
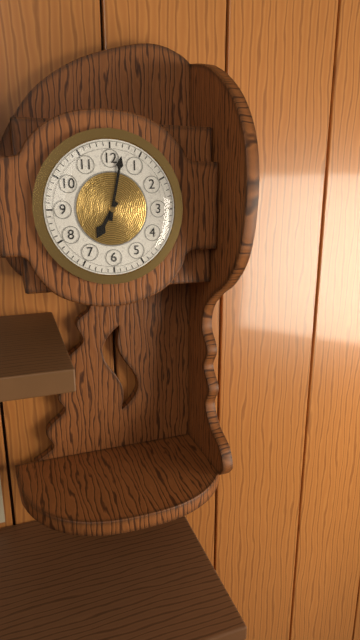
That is 7,02
